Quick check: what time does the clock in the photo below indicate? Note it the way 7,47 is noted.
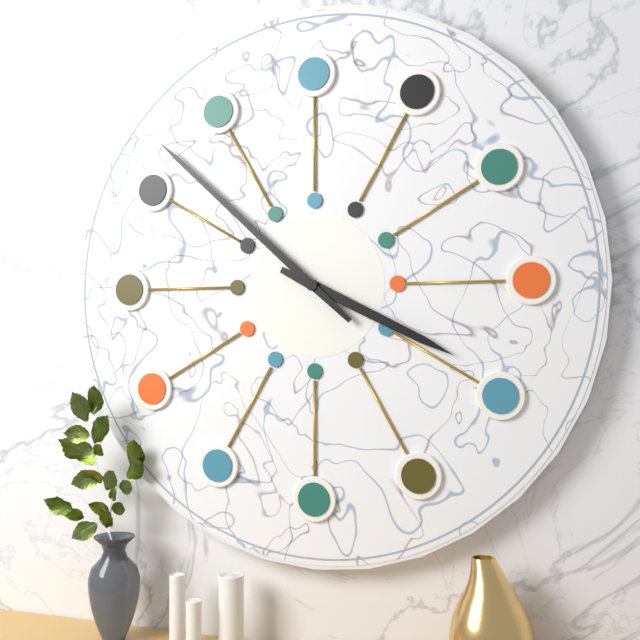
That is 3,52
